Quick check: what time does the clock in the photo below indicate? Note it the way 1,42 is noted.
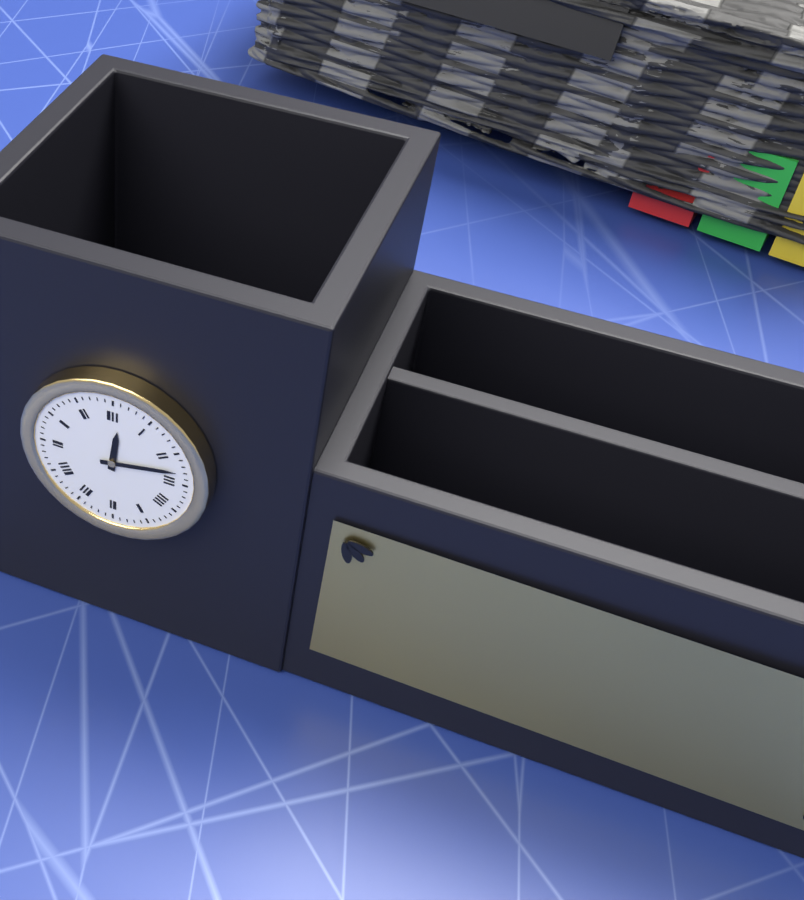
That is 12,13
